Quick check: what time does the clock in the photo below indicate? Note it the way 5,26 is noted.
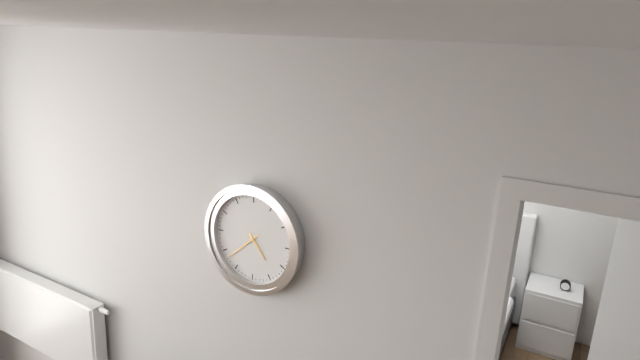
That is 4,38
